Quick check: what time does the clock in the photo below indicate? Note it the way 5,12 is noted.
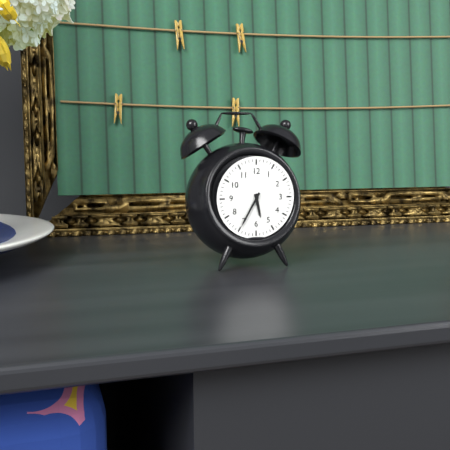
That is 5,35
